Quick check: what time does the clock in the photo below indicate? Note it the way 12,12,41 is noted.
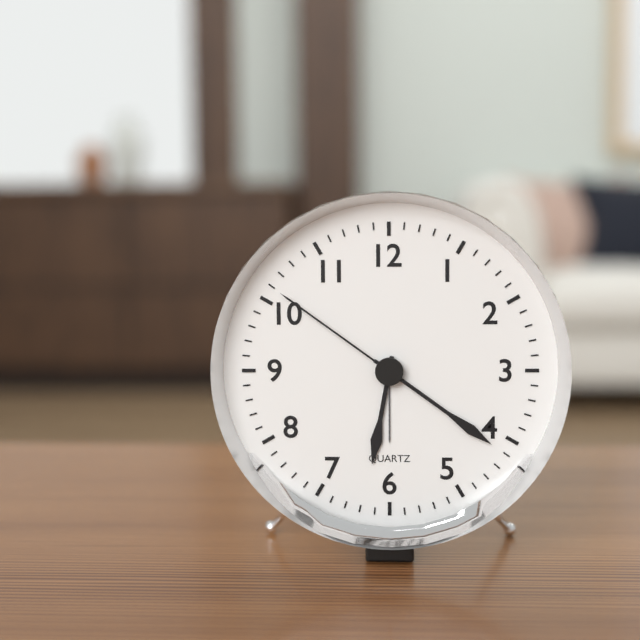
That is 6,21,51
